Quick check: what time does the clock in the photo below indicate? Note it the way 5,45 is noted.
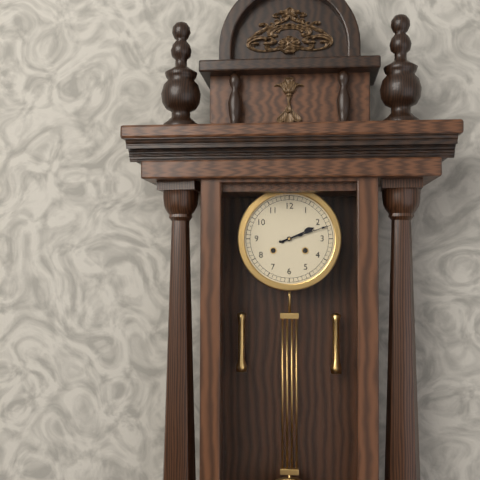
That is 2,12
